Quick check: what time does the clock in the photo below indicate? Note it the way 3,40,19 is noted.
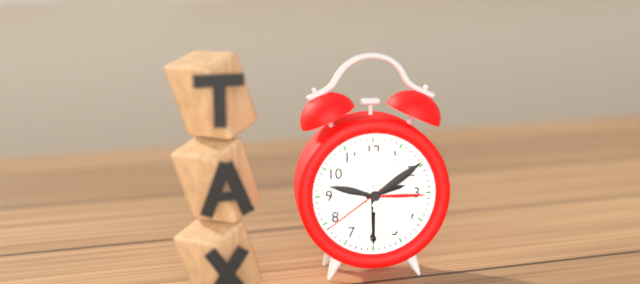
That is 2,30,39
